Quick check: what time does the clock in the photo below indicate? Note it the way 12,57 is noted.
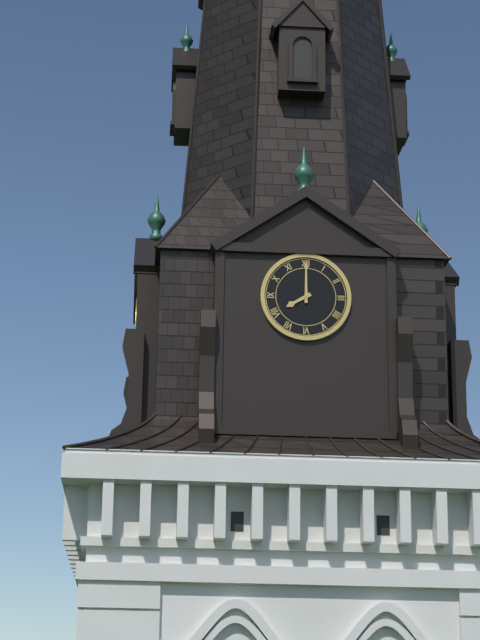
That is 8,00
